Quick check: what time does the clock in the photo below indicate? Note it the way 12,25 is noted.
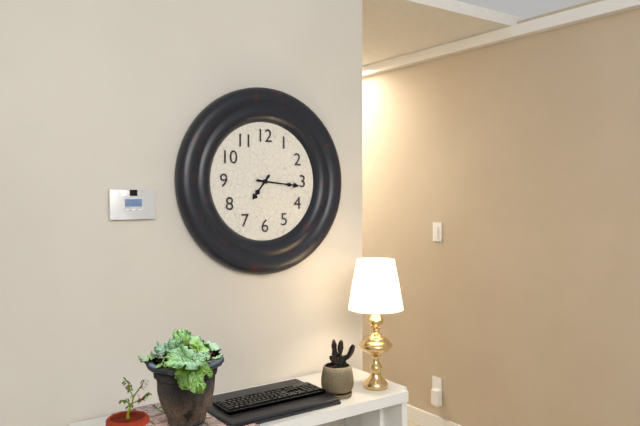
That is 7,16
